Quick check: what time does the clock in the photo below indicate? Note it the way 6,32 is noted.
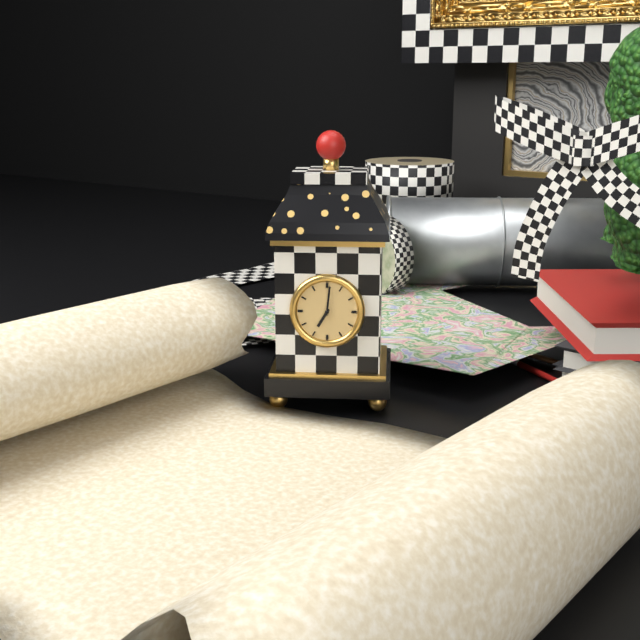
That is 7,01
